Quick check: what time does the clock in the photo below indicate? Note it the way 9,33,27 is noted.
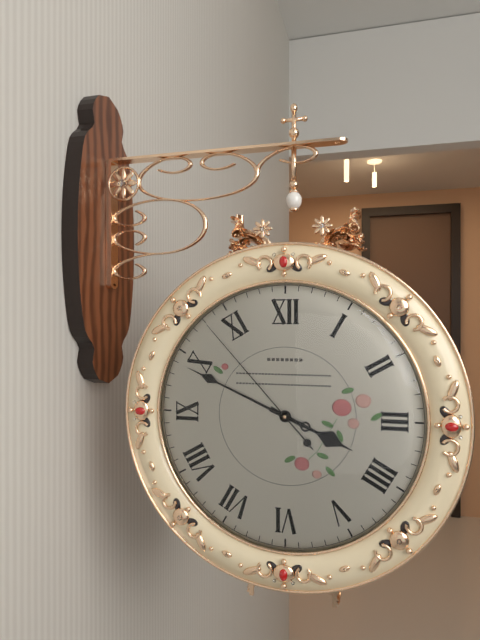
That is 3,49,53
